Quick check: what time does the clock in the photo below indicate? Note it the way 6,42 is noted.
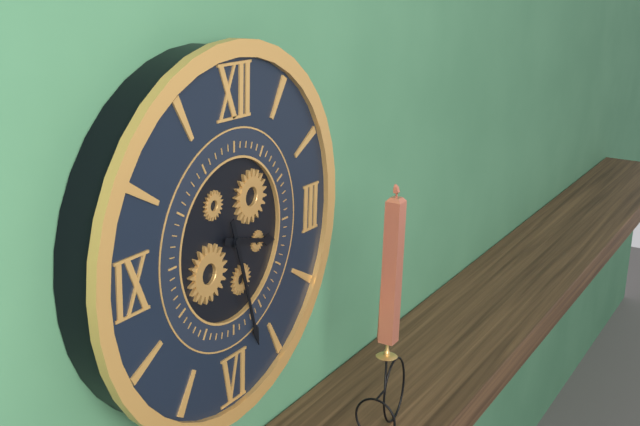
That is 3,27
